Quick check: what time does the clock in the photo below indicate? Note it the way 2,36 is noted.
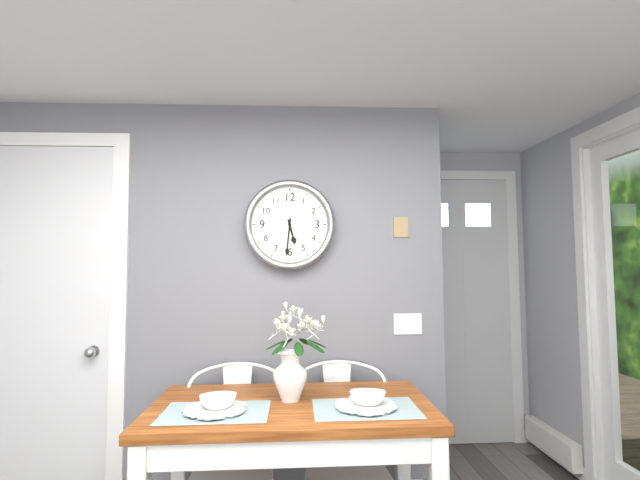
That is 5,31
